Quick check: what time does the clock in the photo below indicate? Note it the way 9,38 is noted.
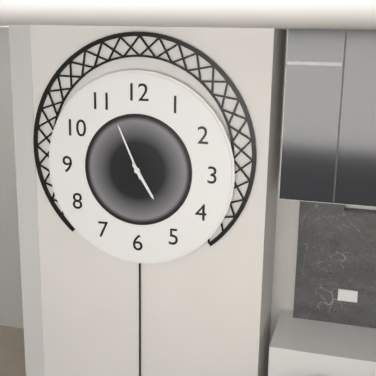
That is 4,56
